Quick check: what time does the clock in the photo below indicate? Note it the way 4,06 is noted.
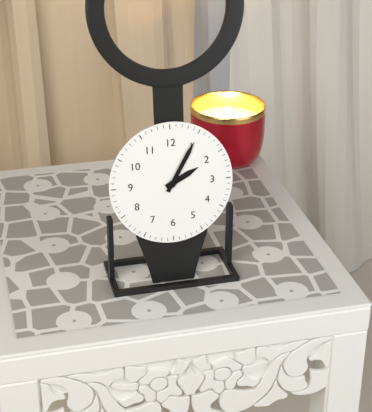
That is 2,05
